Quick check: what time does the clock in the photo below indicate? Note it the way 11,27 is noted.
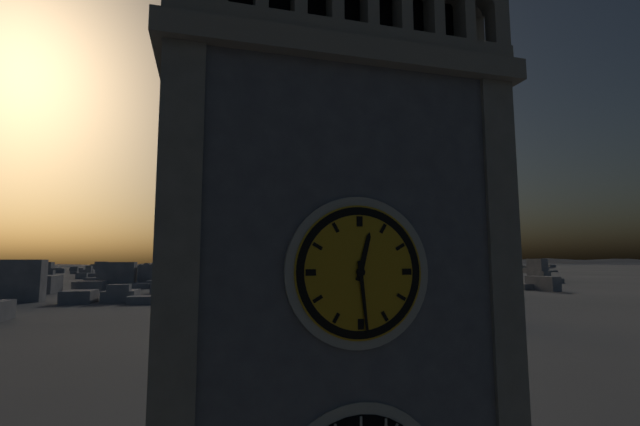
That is 12,29
